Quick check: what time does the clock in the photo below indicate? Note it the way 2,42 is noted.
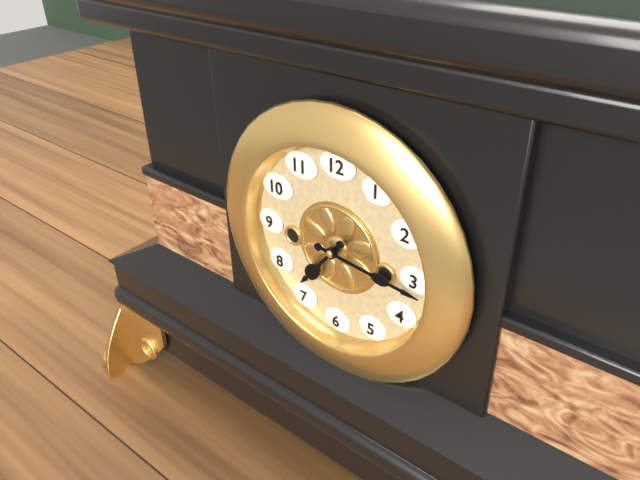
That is 7,16
